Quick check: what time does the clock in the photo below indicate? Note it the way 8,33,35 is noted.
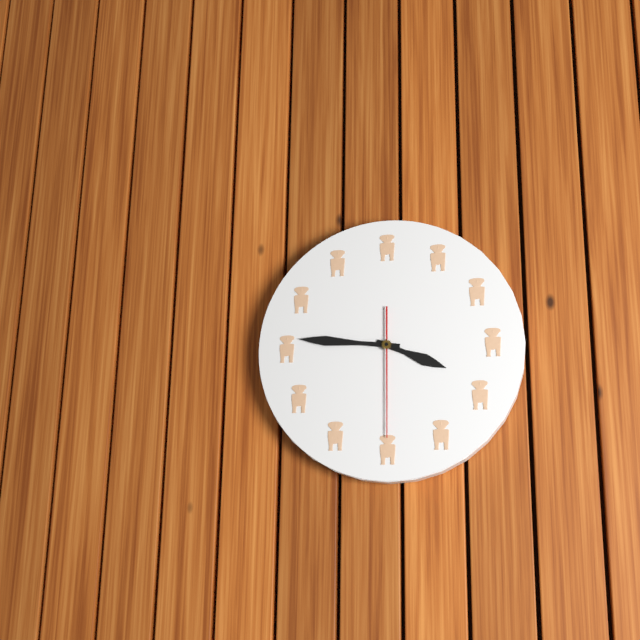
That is 3,46,30
